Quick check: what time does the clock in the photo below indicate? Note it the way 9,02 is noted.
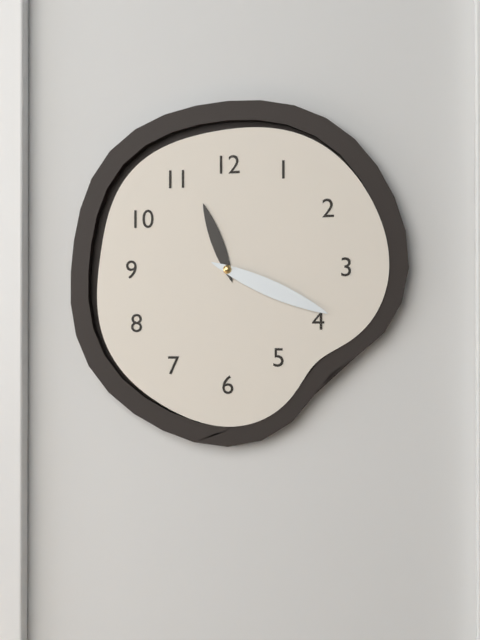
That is 11,19
